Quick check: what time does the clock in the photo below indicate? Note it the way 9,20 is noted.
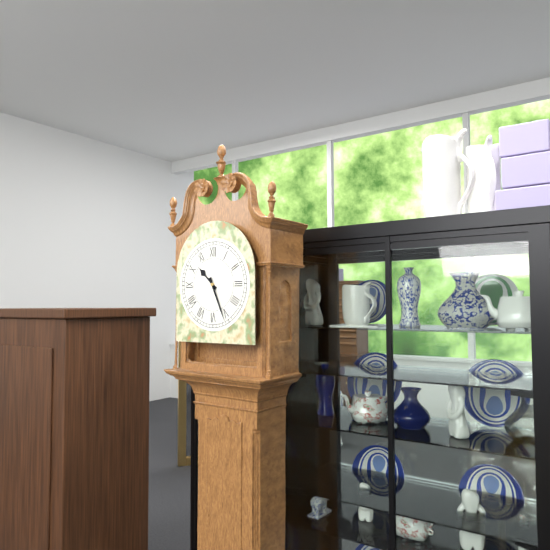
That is 10,26
